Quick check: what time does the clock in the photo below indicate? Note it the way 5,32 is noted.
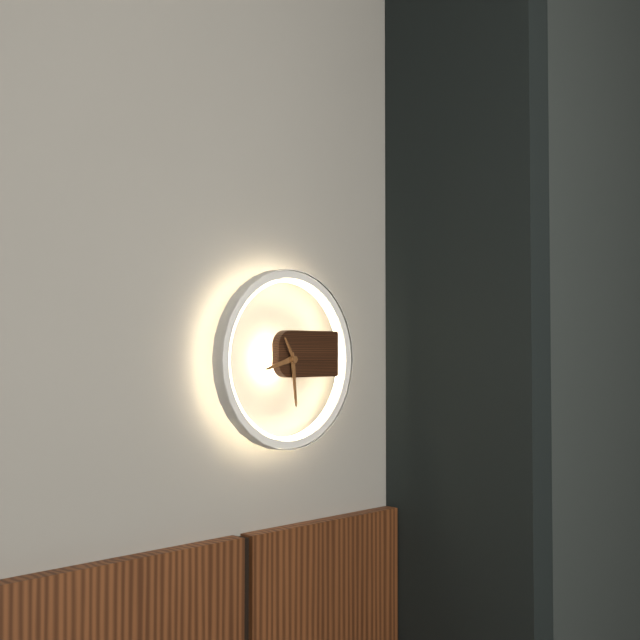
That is 8,29
